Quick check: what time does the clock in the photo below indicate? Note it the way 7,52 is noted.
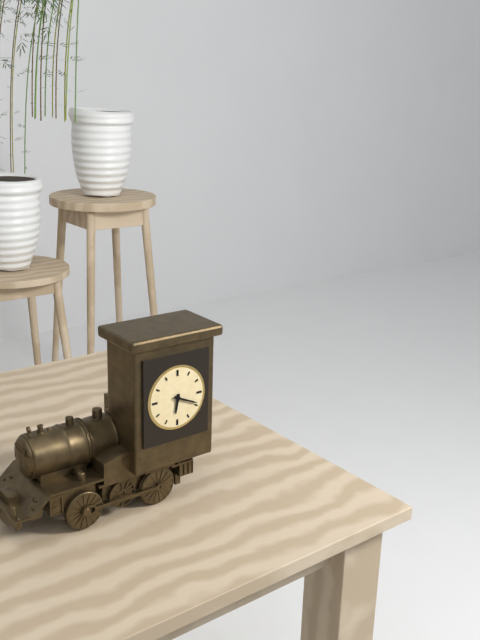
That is 6,19
